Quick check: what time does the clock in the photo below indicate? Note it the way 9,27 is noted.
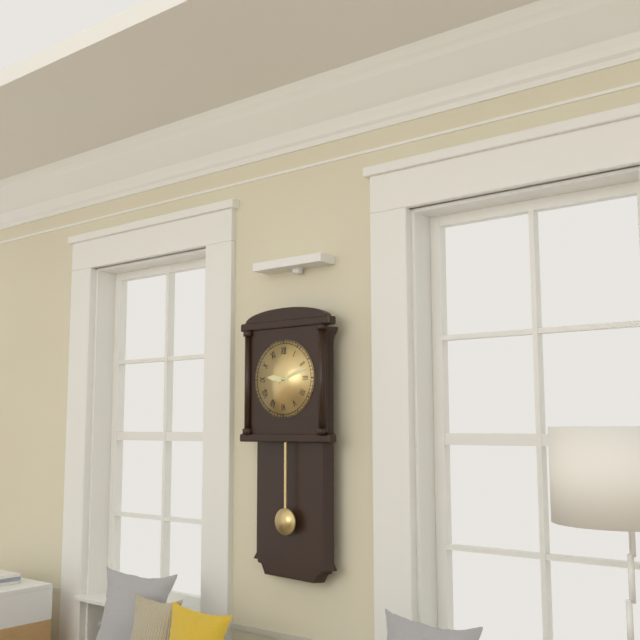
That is 9,12
